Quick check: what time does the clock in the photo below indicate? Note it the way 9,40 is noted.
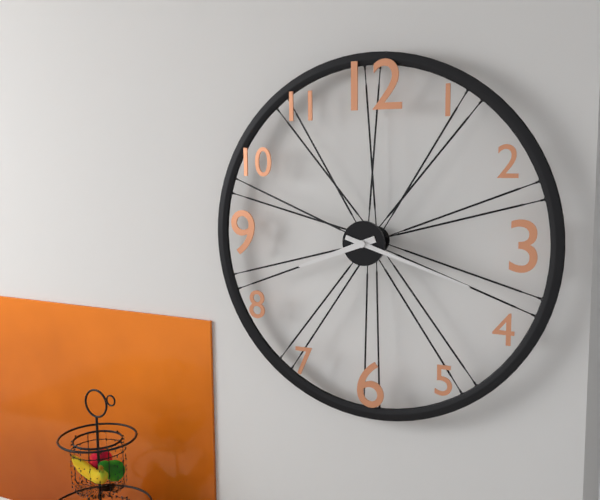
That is 8,18
